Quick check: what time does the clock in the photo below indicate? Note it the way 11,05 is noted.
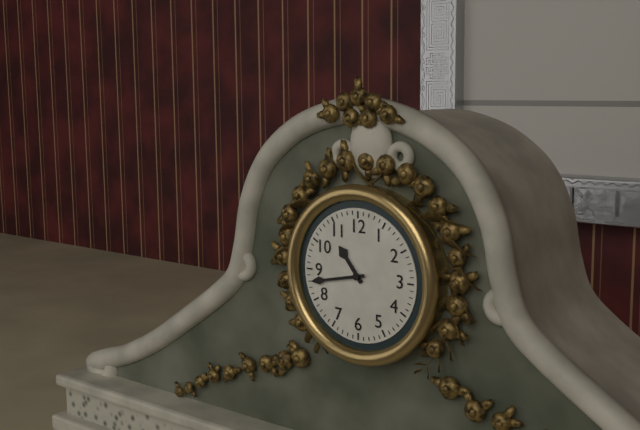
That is 10,43
